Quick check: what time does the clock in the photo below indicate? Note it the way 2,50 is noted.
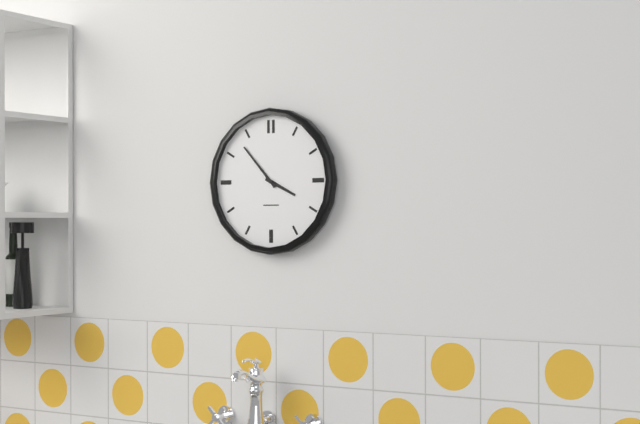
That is 3,53
